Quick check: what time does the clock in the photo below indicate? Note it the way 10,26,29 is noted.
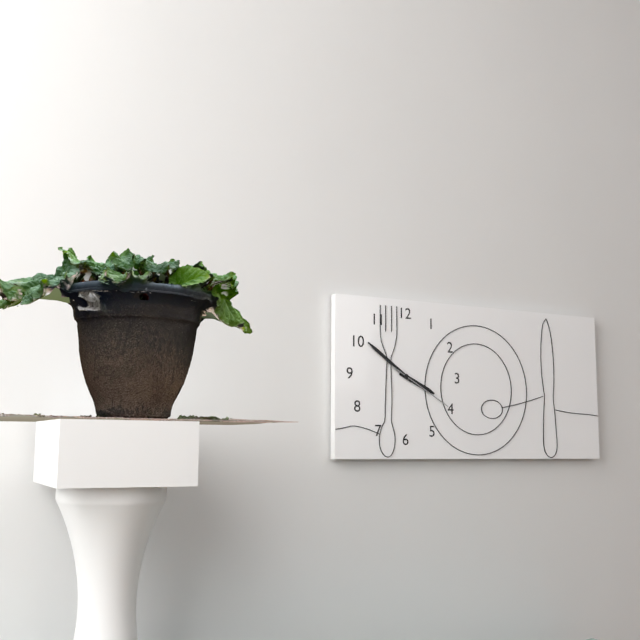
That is 3,51,20
